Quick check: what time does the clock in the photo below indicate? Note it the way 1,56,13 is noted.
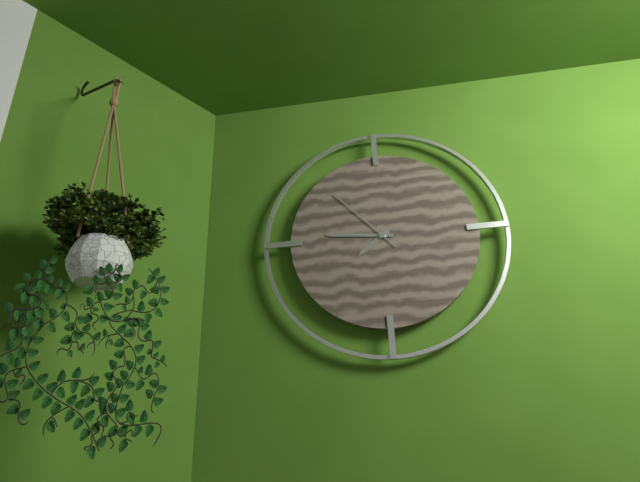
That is 7,46,53
